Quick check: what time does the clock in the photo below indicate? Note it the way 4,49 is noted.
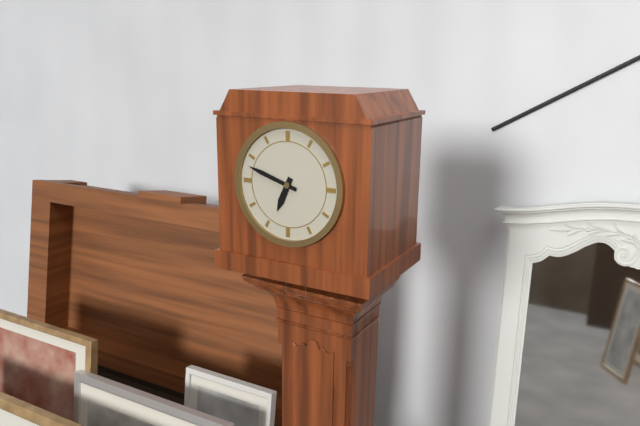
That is 6,48
